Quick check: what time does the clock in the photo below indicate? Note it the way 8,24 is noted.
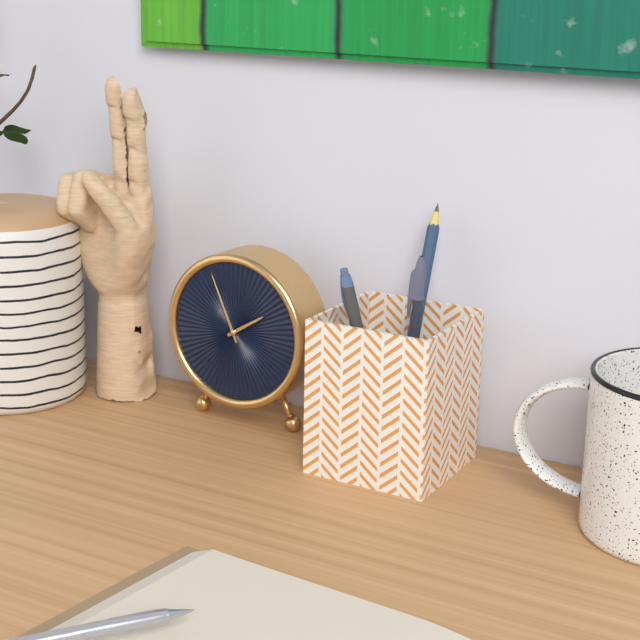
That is 1,56
